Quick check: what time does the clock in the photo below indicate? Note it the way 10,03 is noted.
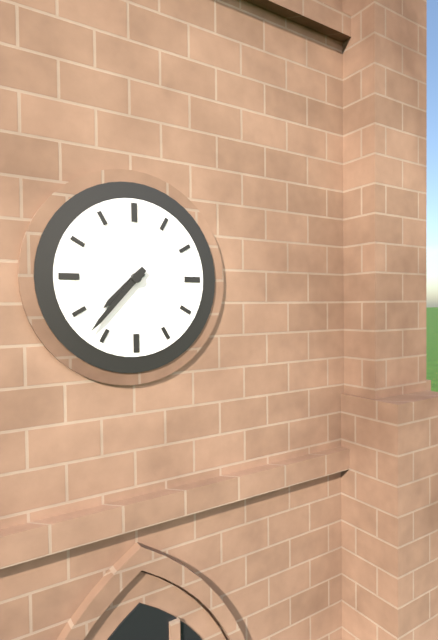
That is 7,37
